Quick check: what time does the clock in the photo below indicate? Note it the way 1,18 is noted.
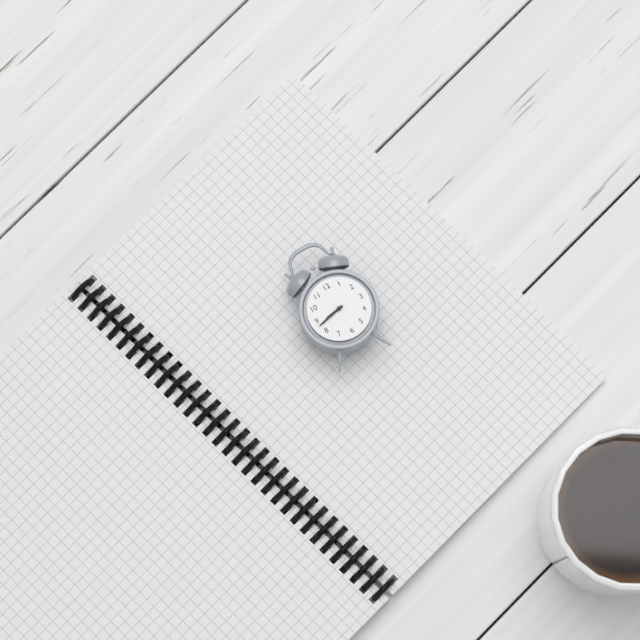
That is 8,43
